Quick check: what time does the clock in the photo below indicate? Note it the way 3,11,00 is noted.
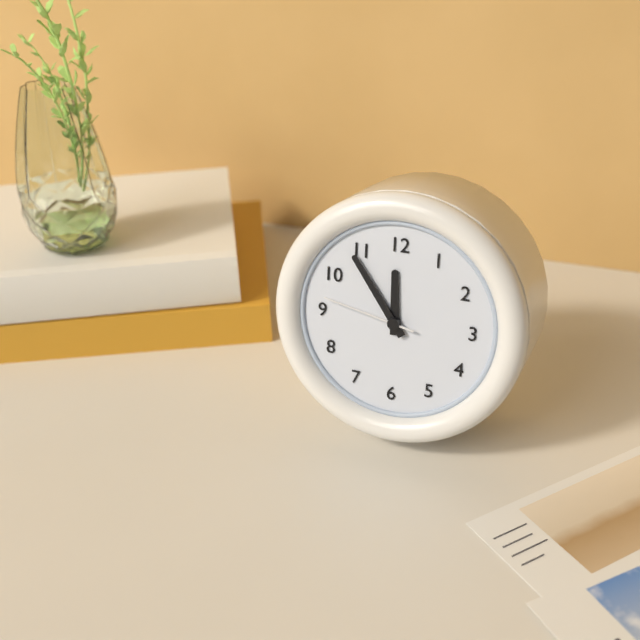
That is 11,54,47
